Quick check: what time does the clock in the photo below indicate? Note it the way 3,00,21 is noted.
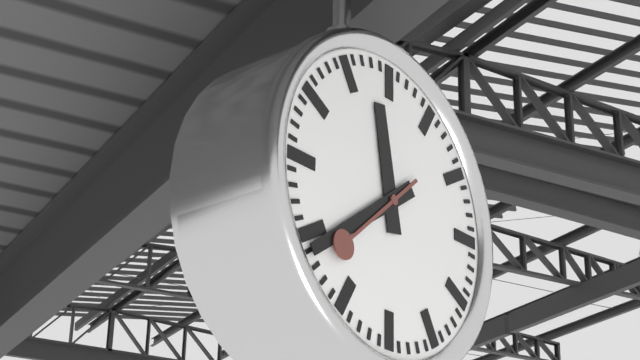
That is 11,39,38
